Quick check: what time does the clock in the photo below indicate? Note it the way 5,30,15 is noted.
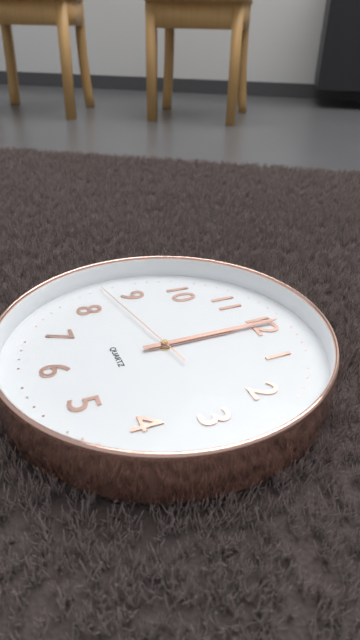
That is 12,00,43
